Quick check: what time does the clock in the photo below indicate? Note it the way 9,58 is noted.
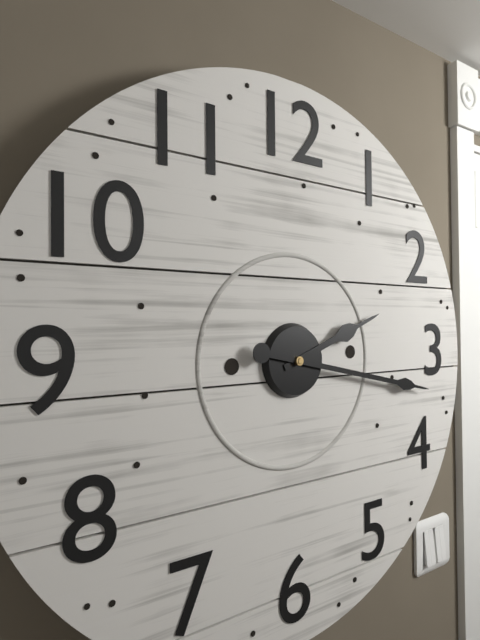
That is 2,17
